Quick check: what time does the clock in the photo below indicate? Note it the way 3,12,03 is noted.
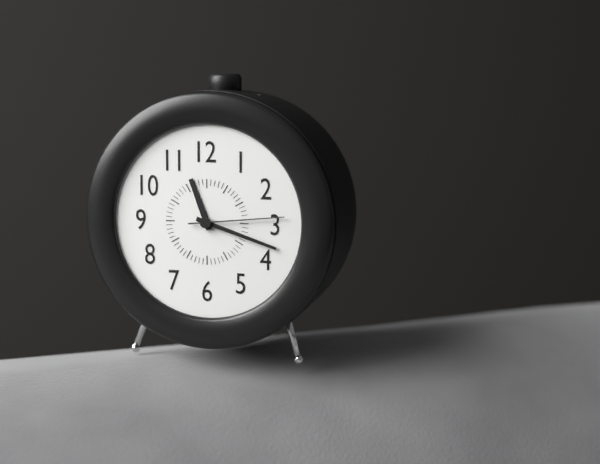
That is 11,18,14
